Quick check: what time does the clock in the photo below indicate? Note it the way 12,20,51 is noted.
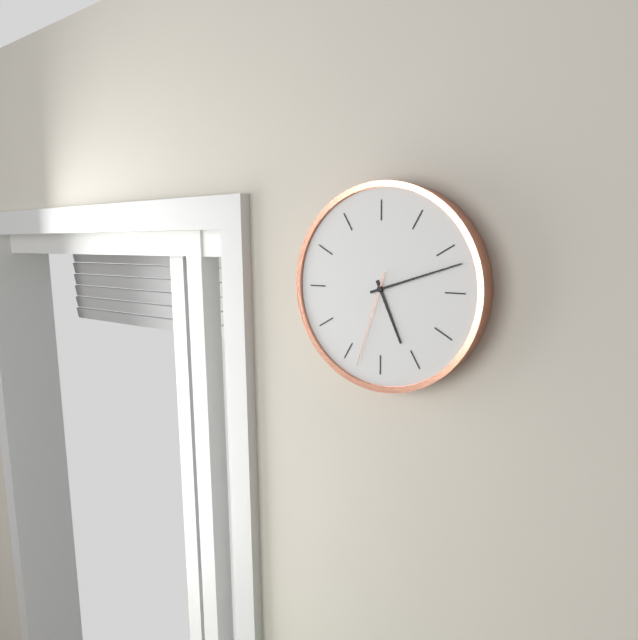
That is 5,12,33
